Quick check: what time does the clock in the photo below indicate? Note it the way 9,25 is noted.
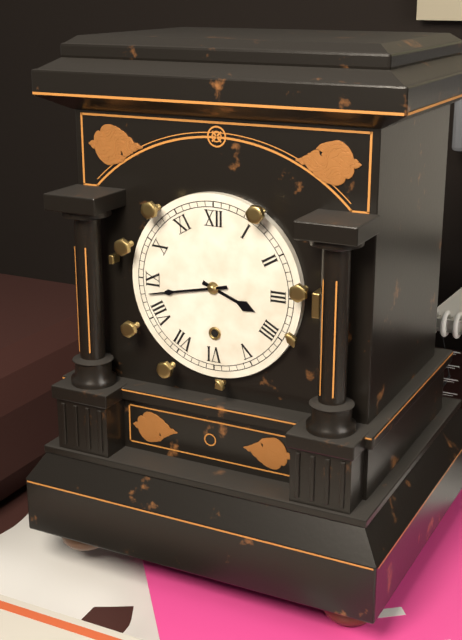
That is 3,43
